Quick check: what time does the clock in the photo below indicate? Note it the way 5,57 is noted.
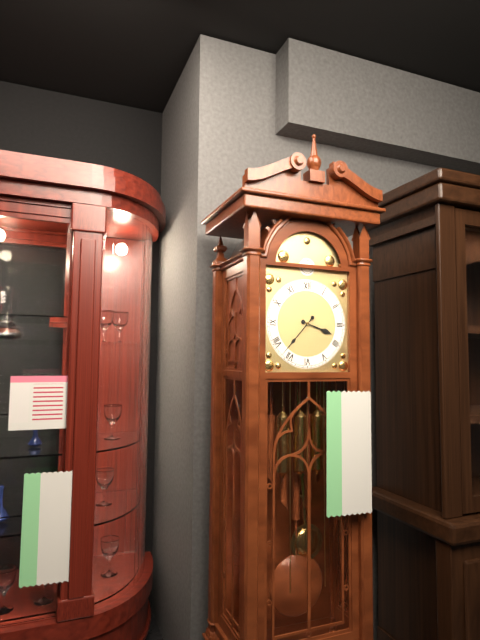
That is 3,37
